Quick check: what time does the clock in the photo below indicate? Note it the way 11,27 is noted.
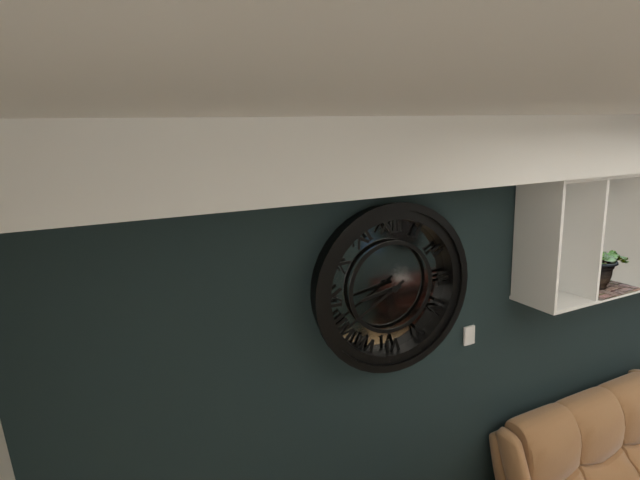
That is 8,40
